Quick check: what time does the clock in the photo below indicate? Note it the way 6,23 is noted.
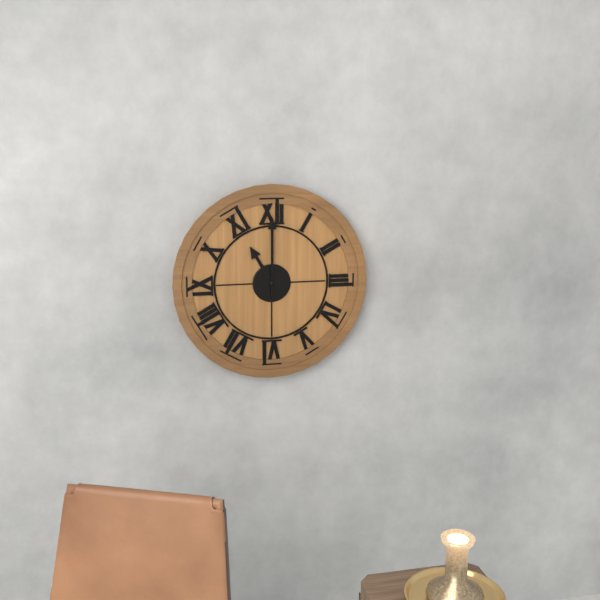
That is 11,00
